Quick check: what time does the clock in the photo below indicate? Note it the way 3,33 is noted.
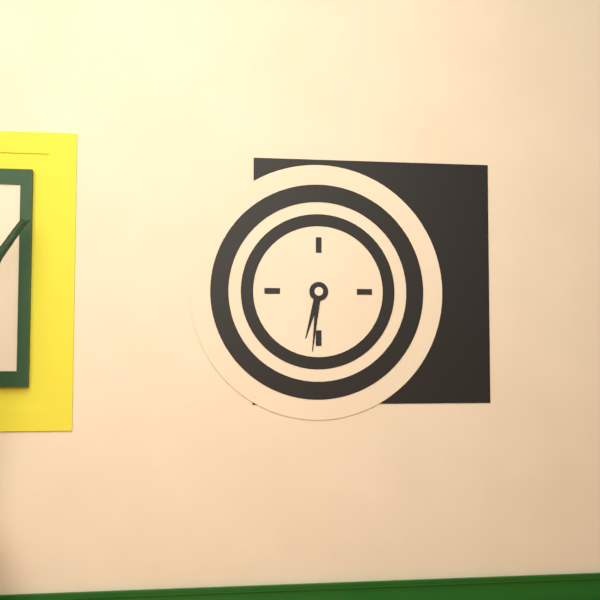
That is 6,31
